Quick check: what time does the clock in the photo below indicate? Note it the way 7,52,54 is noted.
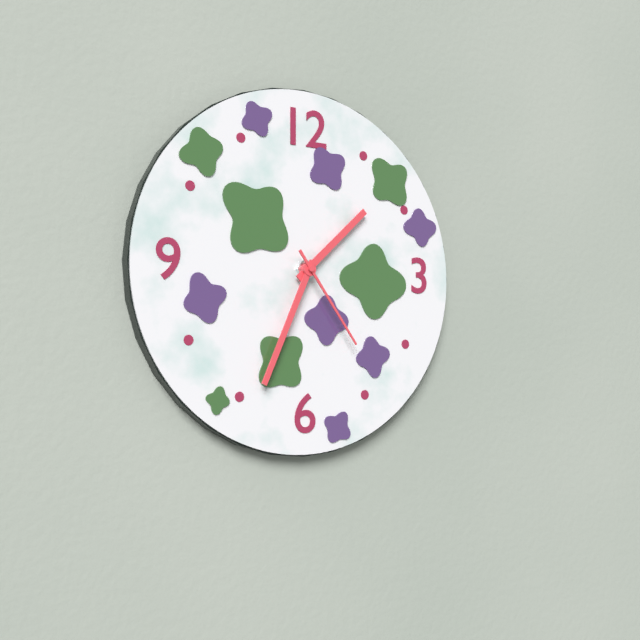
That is 1,34,24
